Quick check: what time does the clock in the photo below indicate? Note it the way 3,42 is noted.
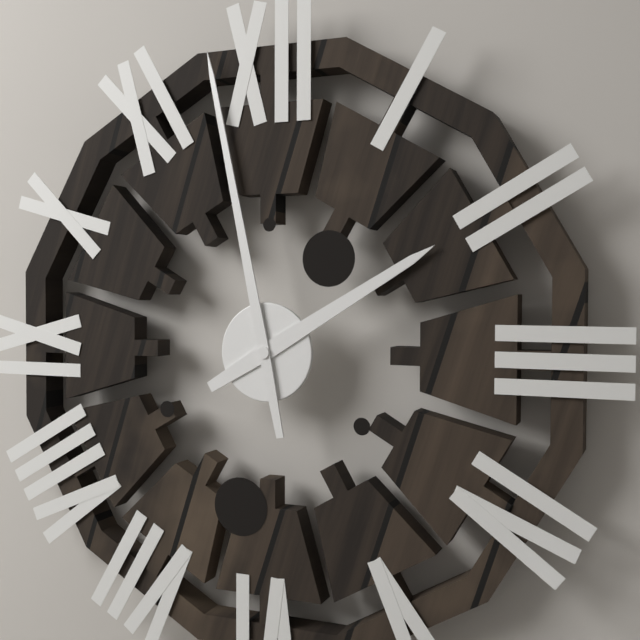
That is 1,58
